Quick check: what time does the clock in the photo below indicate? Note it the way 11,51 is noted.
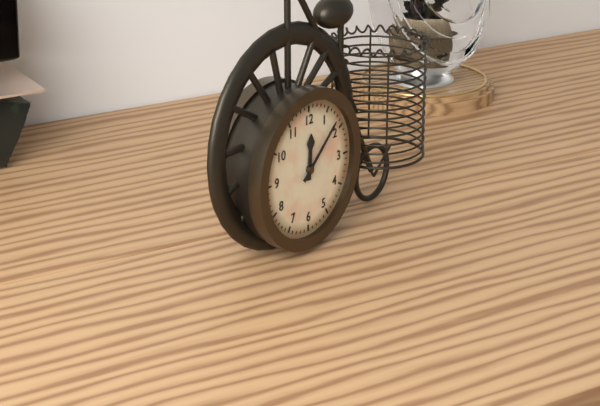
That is 12,08
